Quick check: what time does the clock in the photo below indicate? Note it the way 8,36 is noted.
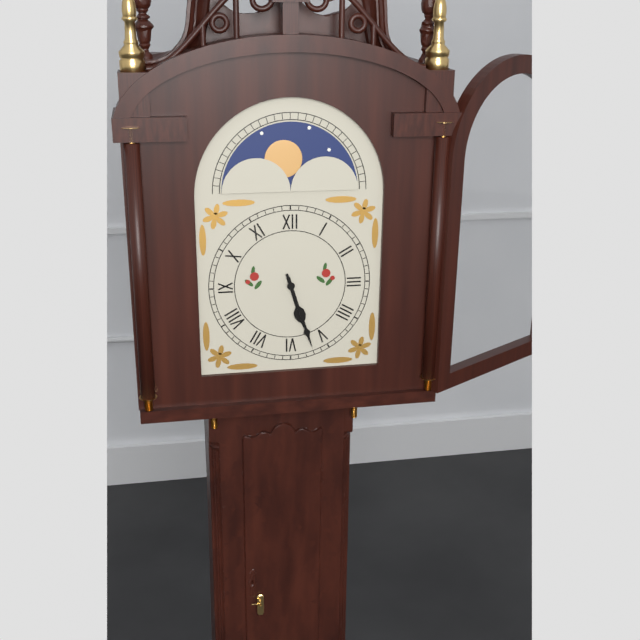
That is 5,27
